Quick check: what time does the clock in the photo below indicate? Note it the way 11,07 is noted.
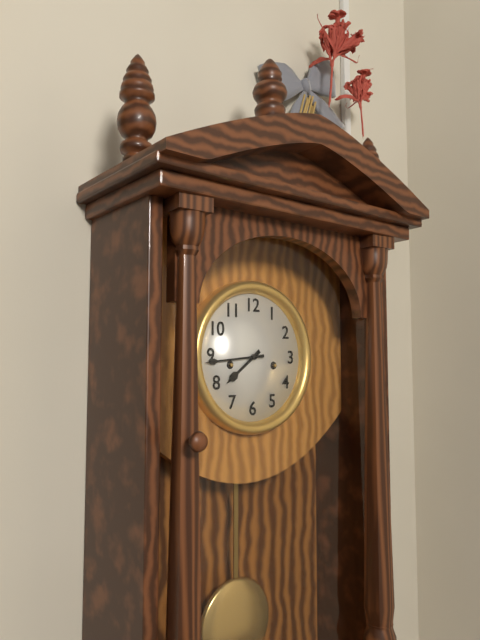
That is 7,44
